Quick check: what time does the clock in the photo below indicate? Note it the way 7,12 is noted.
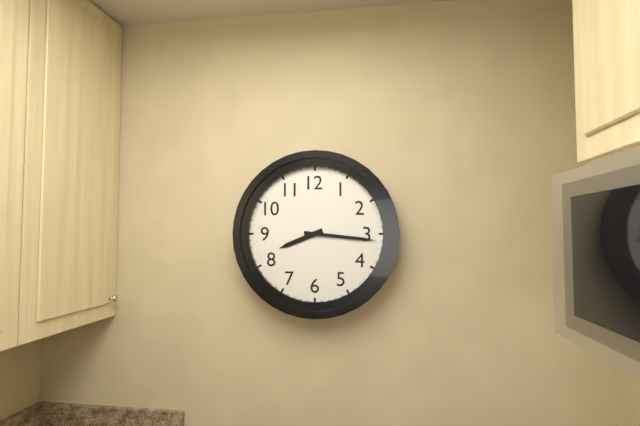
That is 8,16
